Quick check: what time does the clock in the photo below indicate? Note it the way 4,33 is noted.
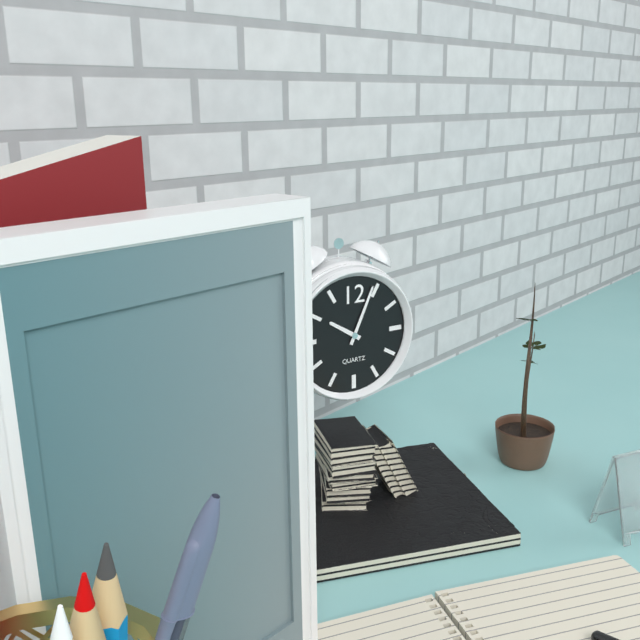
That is 10,04
